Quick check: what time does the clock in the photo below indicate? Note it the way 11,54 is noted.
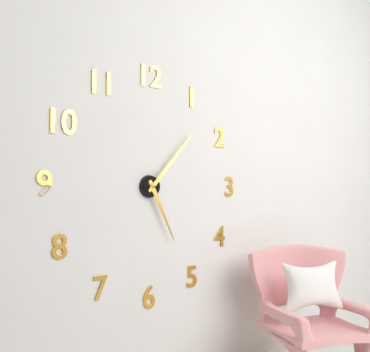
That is 5,07
